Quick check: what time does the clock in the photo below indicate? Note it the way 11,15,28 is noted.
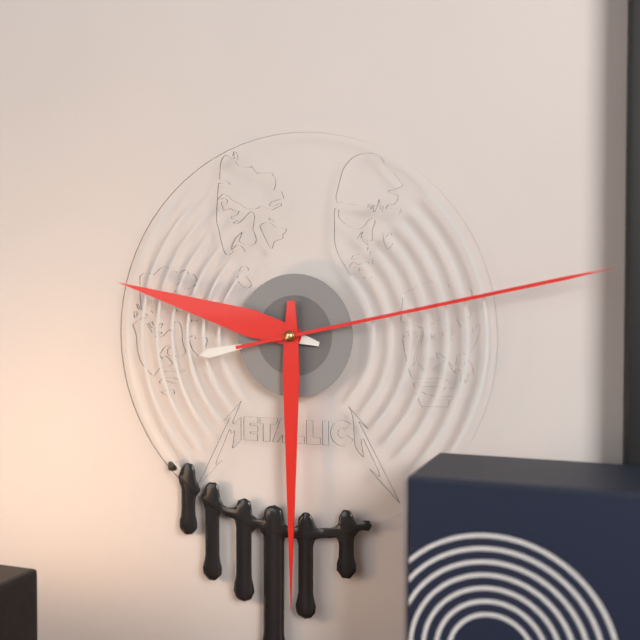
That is 9,30,13
